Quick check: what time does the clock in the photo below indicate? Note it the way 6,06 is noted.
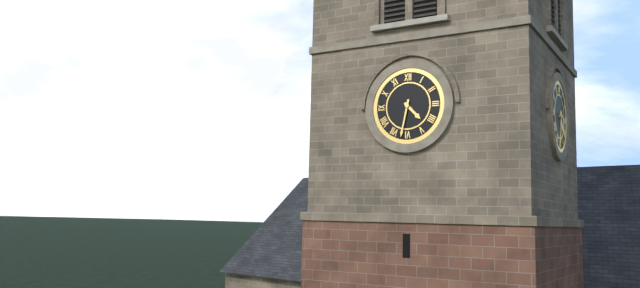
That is 4,32
